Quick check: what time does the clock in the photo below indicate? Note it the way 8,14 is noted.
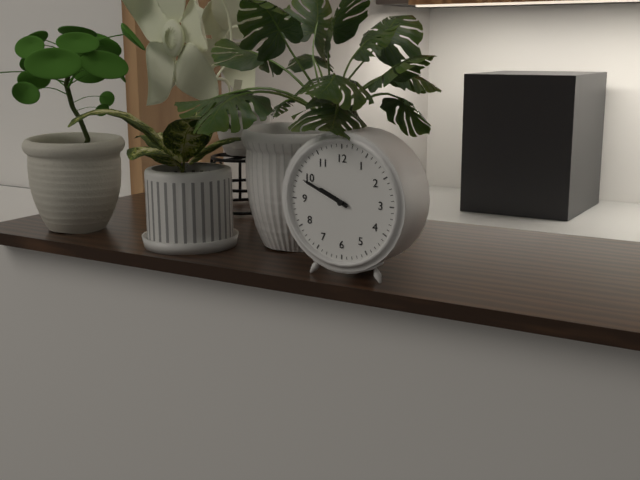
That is 9,49
